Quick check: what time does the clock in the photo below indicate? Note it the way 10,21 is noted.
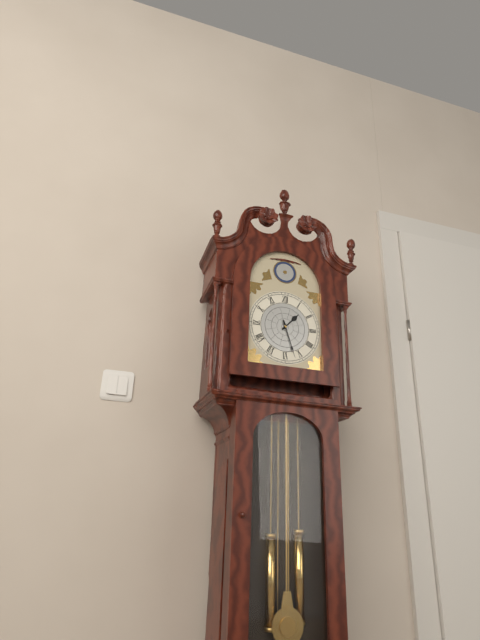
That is 1,27
